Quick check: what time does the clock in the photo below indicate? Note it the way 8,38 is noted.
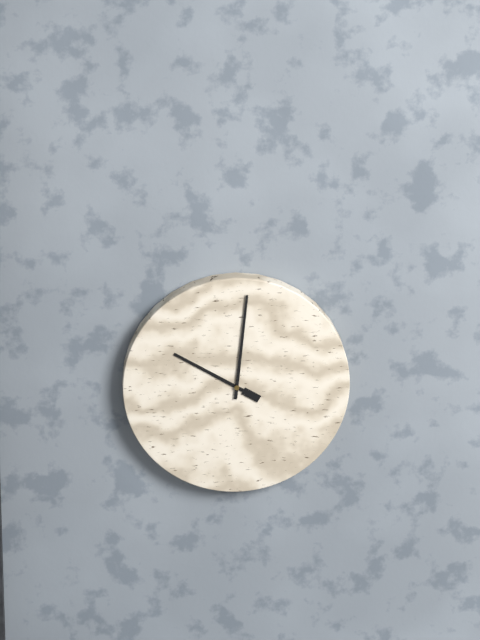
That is 10,01
